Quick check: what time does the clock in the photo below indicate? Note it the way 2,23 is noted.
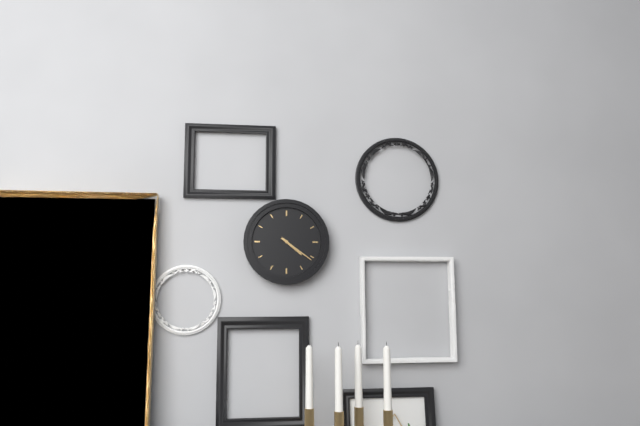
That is 4,21
